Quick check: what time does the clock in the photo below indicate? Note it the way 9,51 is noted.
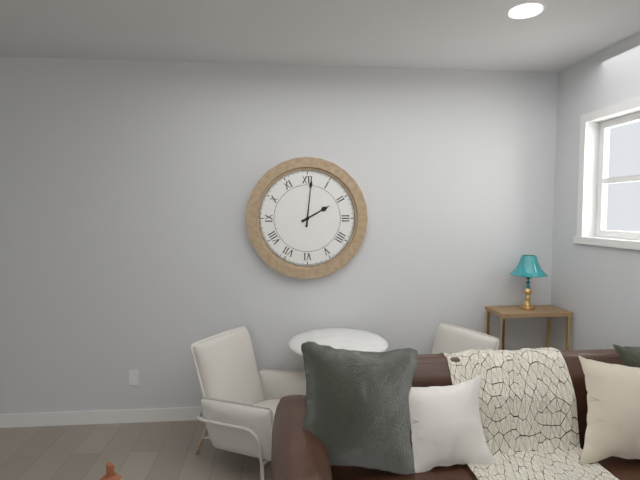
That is 2,01
